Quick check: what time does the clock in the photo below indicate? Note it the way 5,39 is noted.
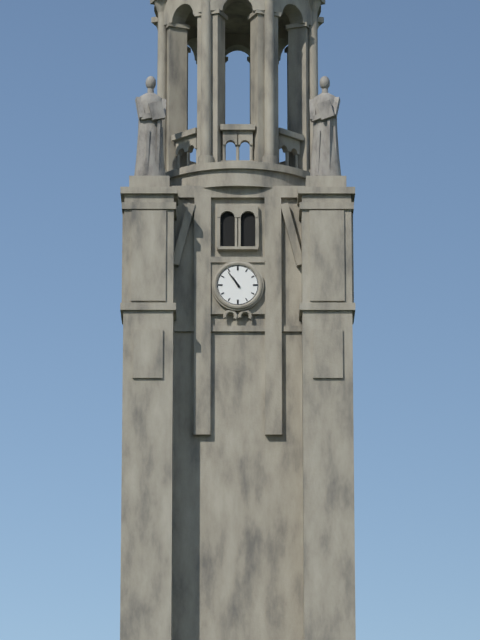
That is 10,54
